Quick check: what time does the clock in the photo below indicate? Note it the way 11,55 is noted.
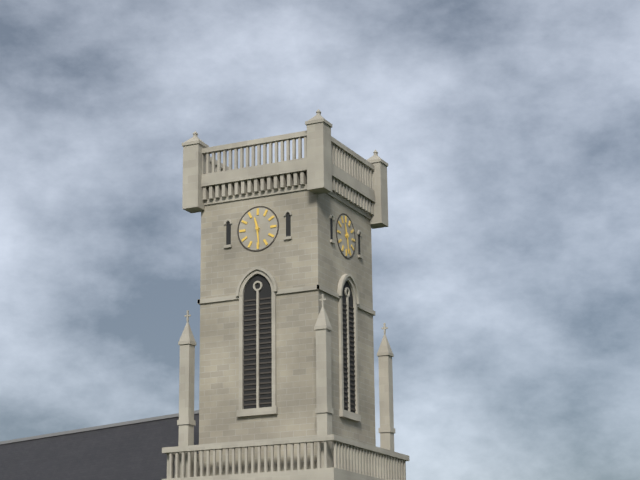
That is 11,29
